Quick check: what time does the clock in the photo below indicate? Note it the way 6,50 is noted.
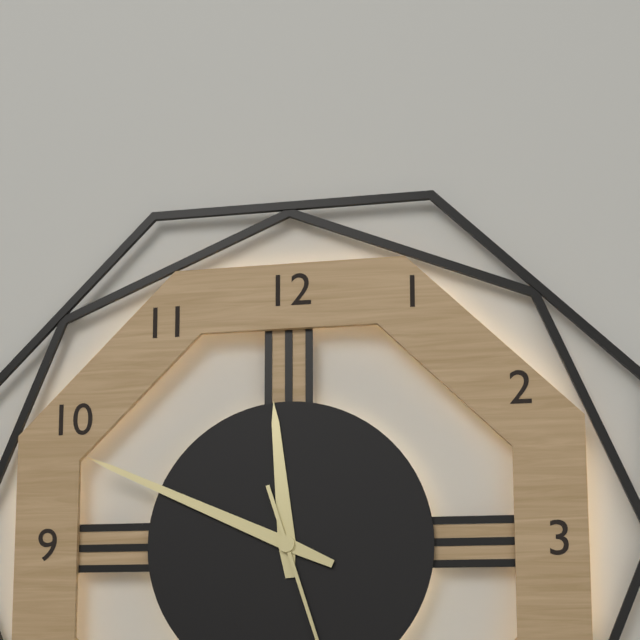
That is 11,49
